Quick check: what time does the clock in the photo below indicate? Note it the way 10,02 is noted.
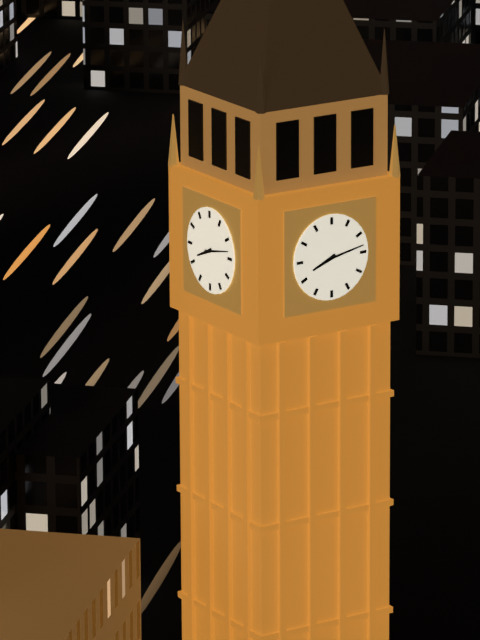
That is 8,13
